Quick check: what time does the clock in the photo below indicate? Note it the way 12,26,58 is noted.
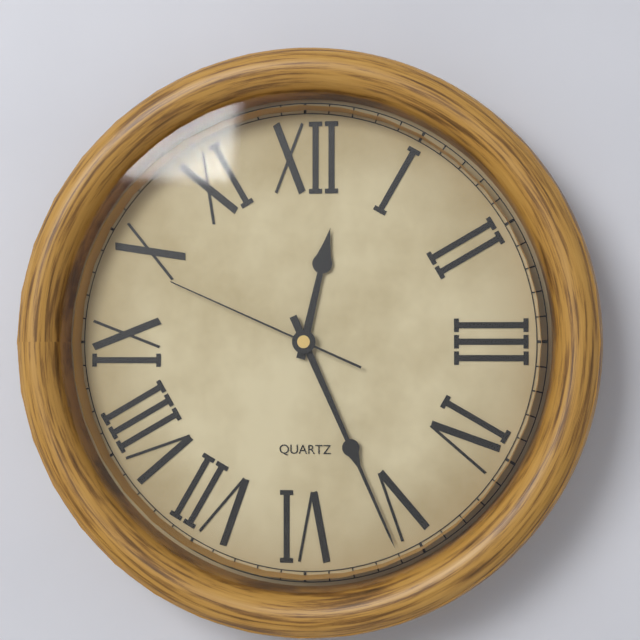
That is 12,26,49
